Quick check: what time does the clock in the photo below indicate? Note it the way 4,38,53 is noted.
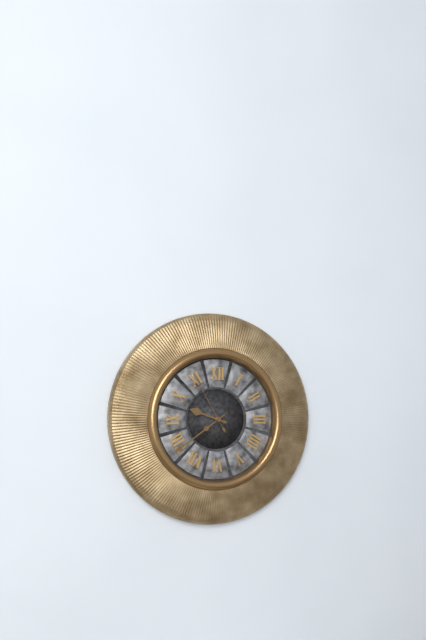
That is 9,39,55
